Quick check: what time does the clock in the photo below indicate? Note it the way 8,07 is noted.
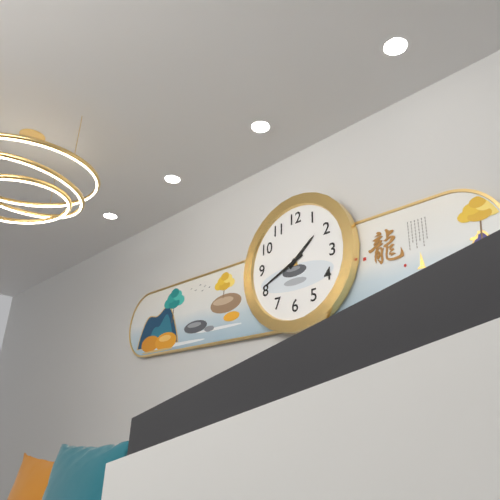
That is 1,41
